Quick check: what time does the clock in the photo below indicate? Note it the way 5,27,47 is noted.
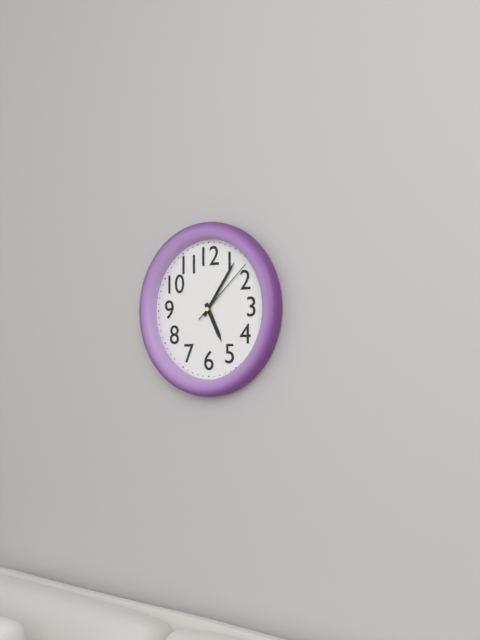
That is 5,06,08
